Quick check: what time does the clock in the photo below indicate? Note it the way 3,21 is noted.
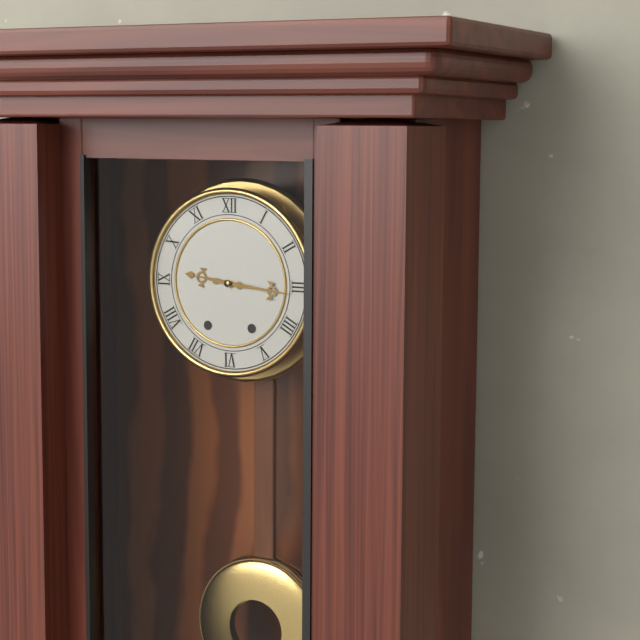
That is 9,16
